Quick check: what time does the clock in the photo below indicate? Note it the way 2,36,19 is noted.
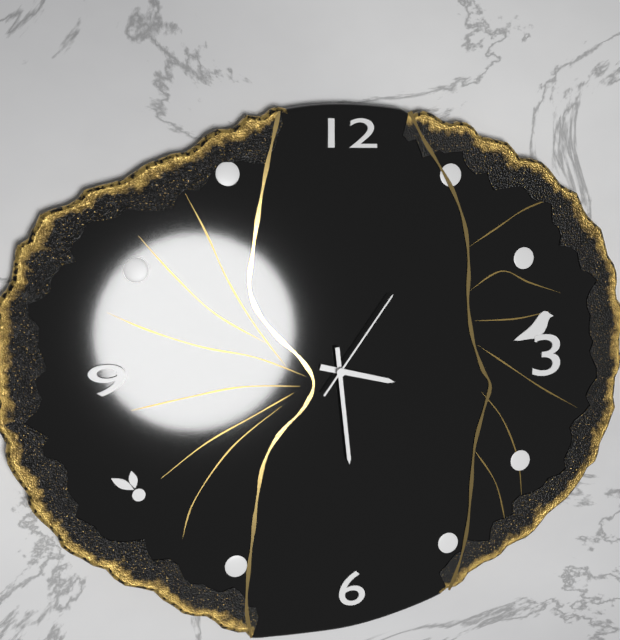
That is 3,29,06
